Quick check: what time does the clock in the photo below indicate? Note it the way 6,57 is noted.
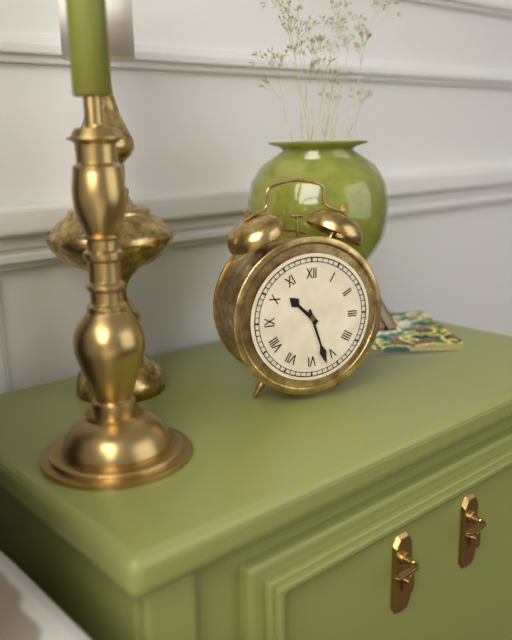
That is 10,27
